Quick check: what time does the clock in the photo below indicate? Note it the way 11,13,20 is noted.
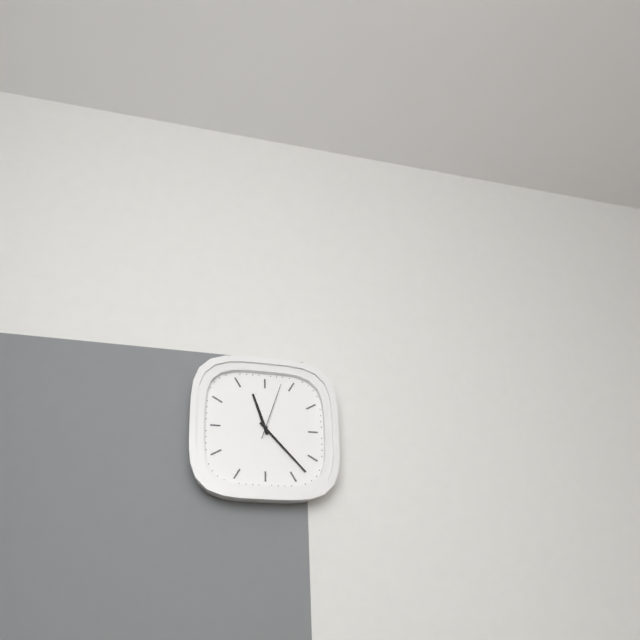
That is 11,23,03
